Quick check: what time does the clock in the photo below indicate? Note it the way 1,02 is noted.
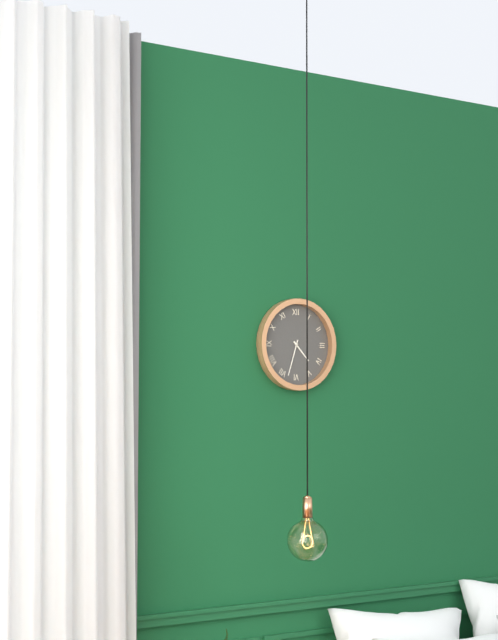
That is 4,33
